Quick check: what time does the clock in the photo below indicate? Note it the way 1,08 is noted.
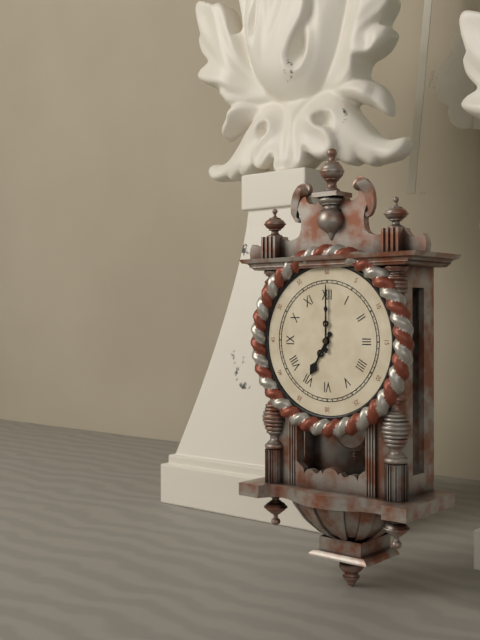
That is 7,00
